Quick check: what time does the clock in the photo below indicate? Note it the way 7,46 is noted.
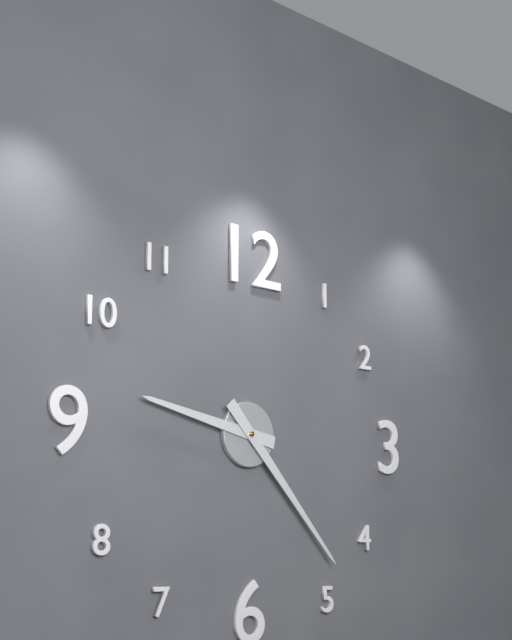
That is 9,23
